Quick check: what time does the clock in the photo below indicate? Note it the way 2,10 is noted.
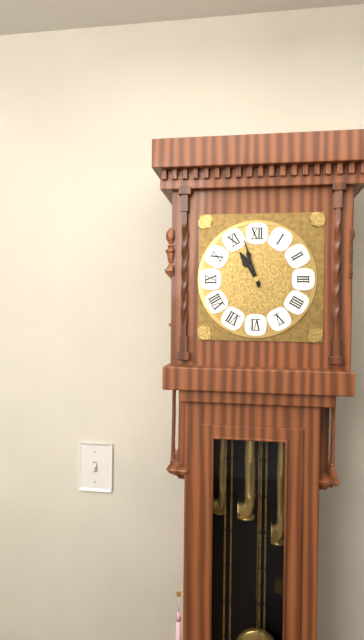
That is 10,57
